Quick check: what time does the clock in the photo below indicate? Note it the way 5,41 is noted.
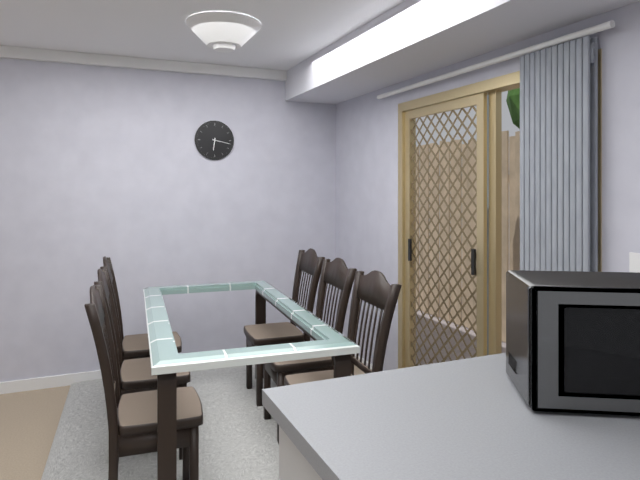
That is 6,17
